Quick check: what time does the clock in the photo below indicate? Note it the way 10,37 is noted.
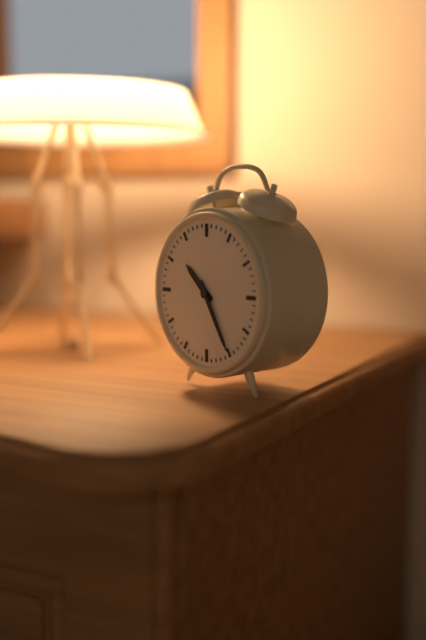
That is 10,25
